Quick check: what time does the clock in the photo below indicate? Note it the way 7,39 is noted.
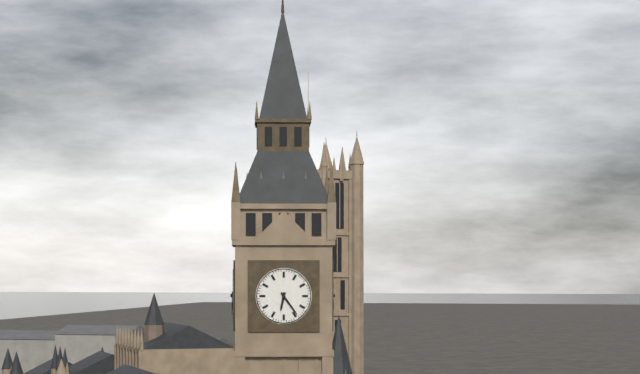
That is 6,24
